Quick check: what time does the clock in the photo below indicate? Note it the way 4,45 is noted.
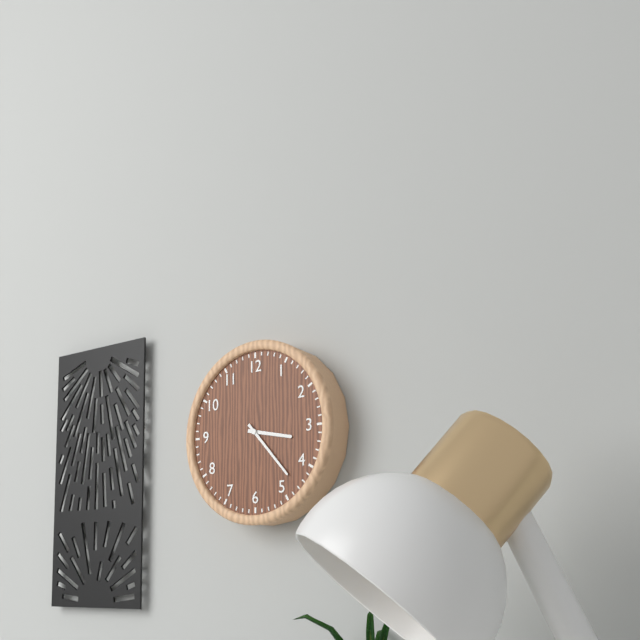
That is 3,23
